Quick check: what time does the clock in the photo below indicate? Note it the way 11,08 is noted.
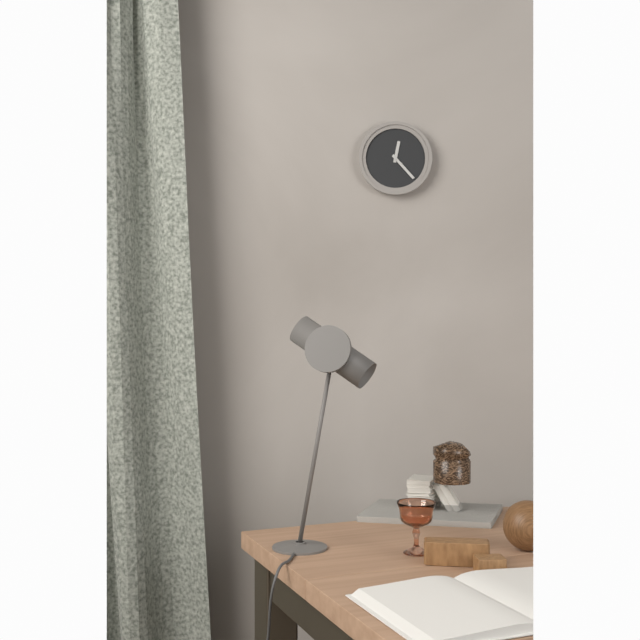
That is 12,23
